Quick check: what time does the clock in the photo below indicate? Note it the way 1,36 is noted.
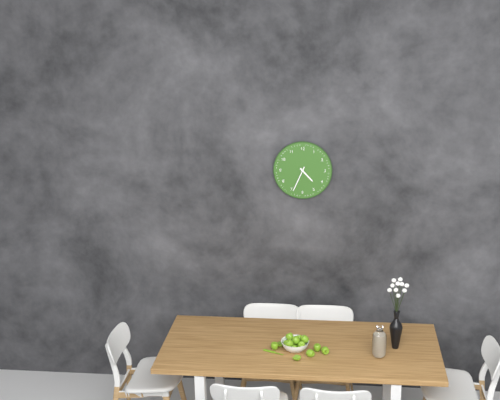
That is 4,34
